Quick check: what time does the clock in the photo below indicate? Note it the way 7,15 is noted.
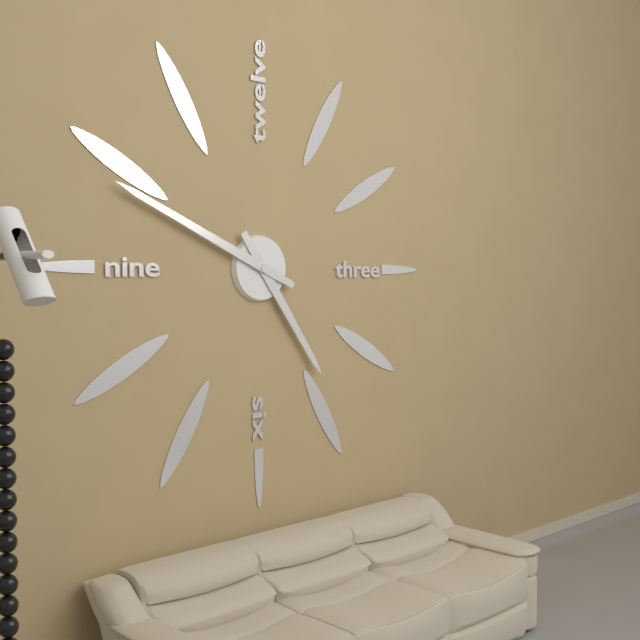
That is 4,49
